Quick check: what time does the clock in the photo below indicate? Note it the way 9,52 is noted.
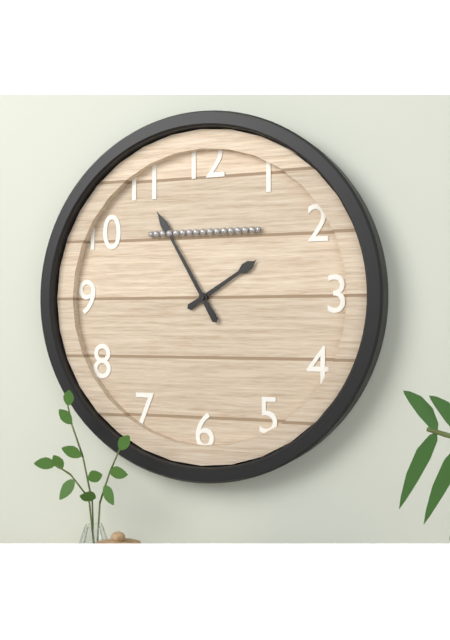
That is 1,55
